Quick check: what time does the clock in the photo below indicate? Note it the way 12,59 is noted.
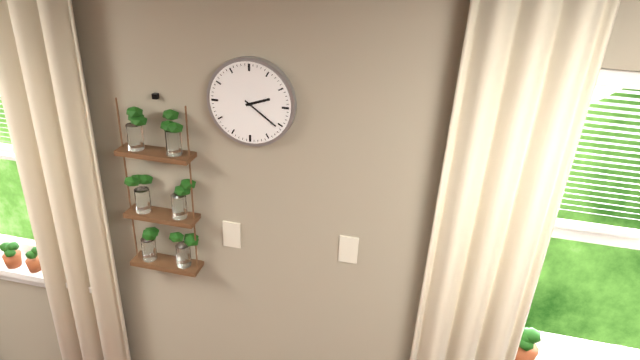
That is 2,21
